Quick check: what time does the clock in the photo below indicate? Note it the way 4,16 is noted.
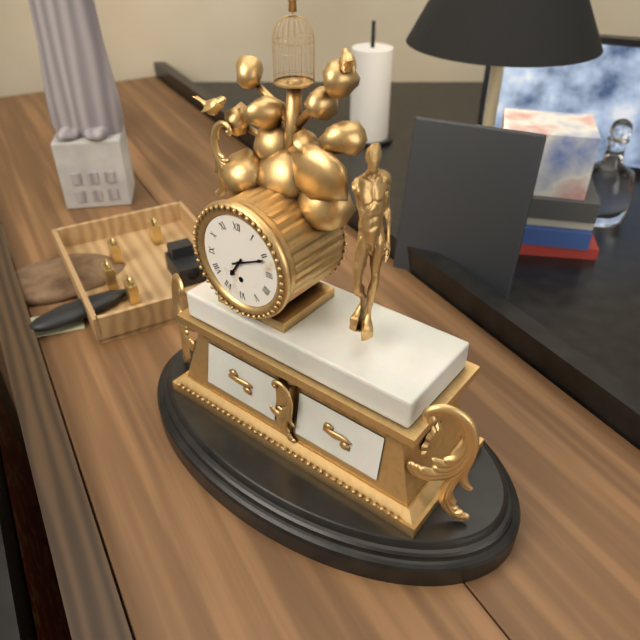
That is 7,11
